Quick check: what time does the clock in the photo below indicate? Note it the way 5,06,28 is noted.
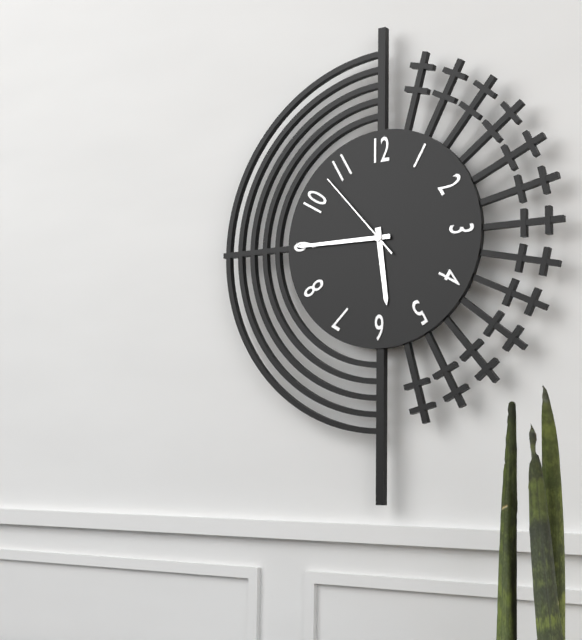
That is 5,45,53
